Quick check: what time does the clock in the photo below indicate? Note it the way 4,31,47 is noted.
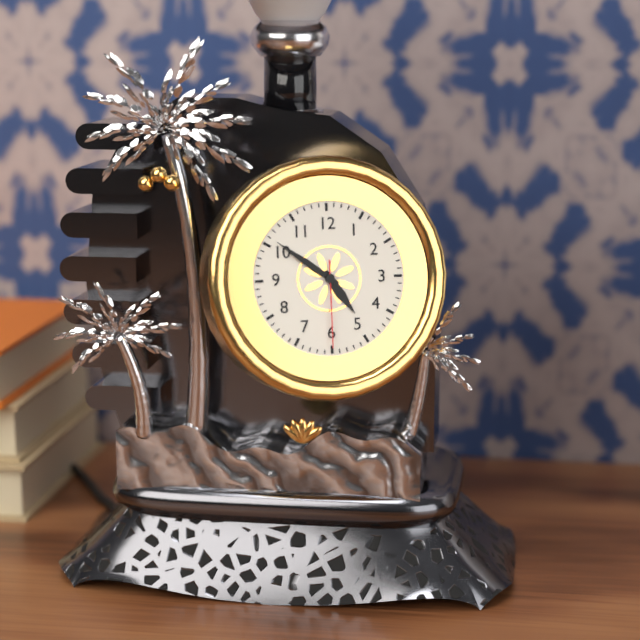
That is 4,51,30
